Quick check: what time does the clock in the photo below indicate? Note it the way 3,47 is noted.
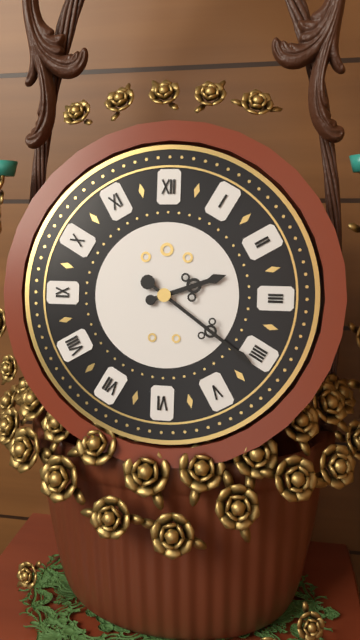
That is 2,21
